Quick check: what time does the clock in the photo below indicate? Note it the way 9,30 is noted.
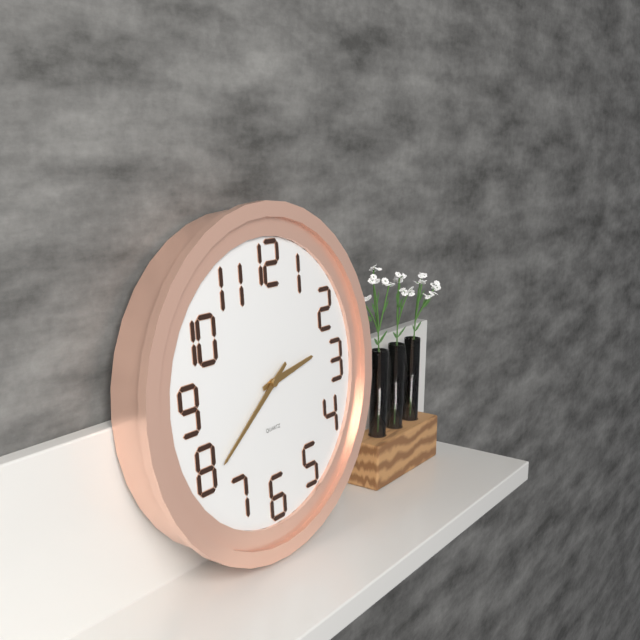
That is 2,39
